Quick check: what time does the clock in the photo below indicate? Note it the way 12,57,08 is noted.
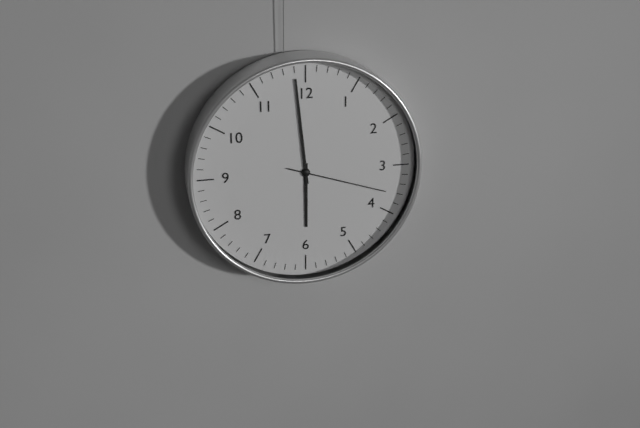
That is 5,59,18
